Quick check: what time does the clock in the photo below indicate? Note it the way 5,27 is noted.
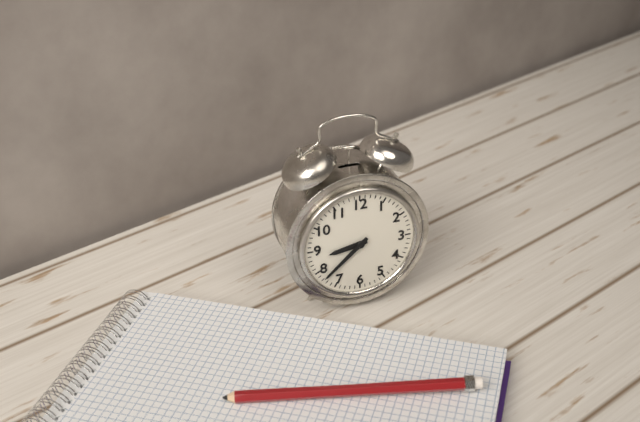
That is 8,38
